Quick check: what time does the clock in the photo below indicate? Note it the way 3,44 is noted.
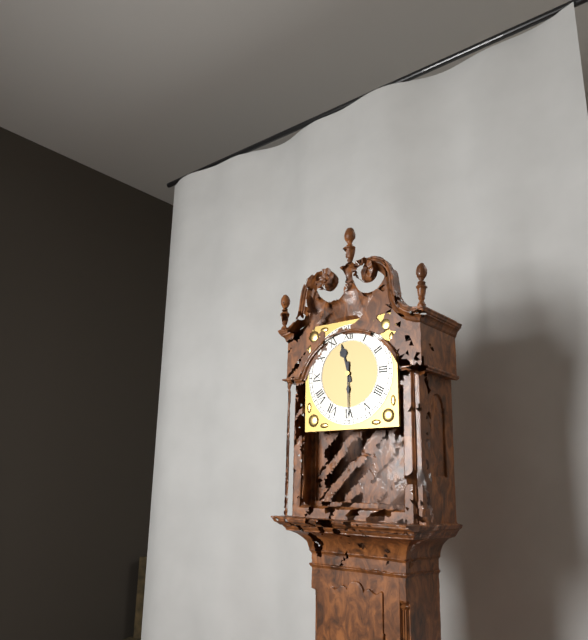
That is 11,30
